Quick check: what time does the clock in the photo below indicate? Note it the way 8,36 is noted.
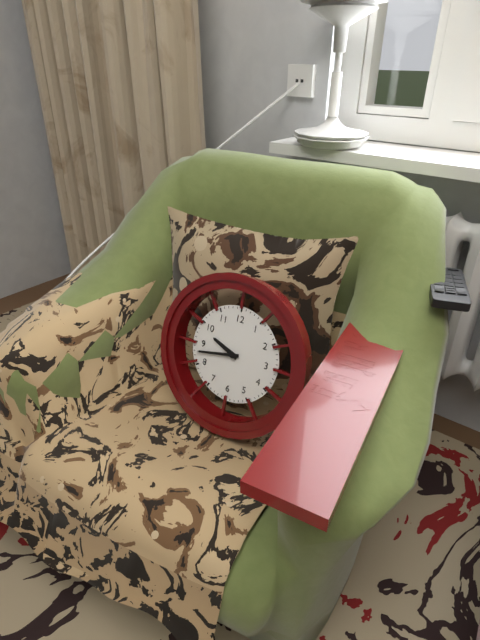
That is 9,43
